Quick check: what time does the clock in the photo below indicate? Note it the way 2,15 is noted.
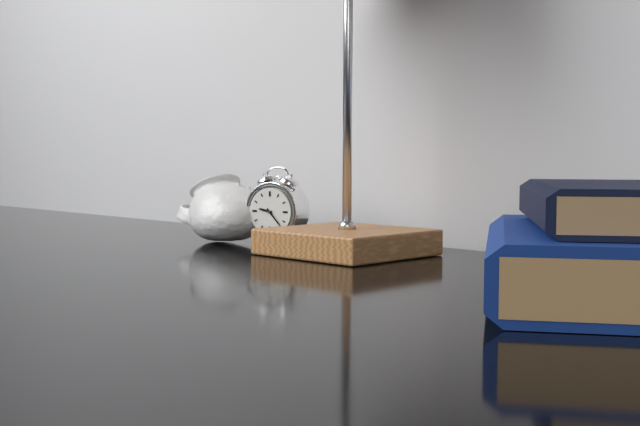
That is 9,23
